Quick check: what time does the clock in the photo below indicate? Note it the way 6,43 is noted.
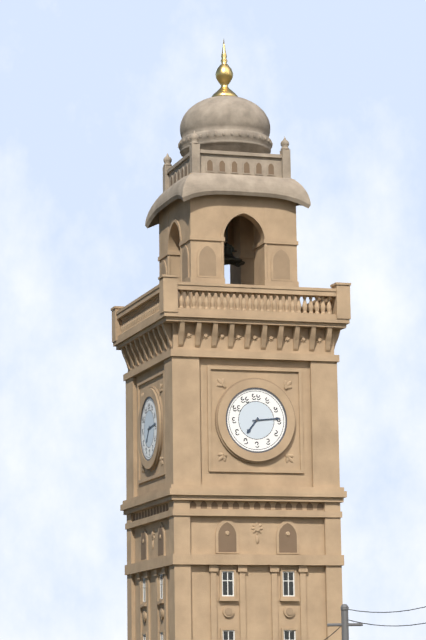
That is 7,14
